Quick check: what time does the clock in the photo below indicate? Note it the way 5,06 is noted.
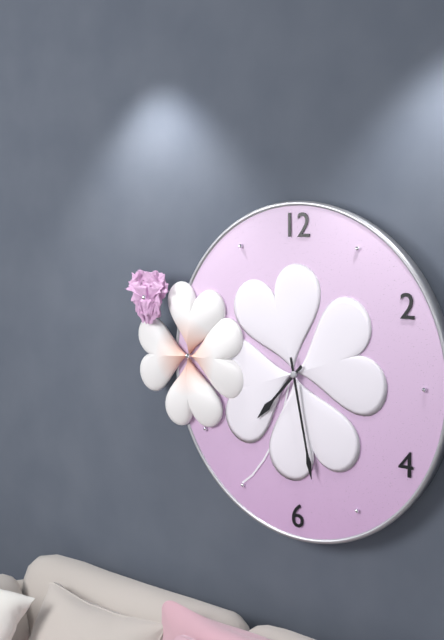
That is 7,28
